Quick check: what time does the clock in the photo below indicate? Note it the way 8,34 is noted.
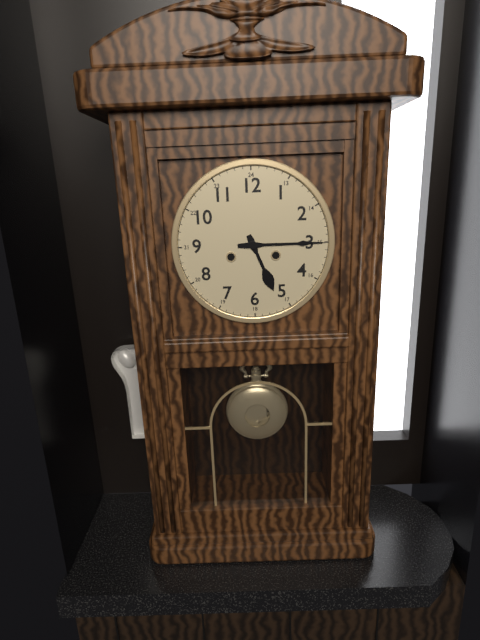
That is 5,15
